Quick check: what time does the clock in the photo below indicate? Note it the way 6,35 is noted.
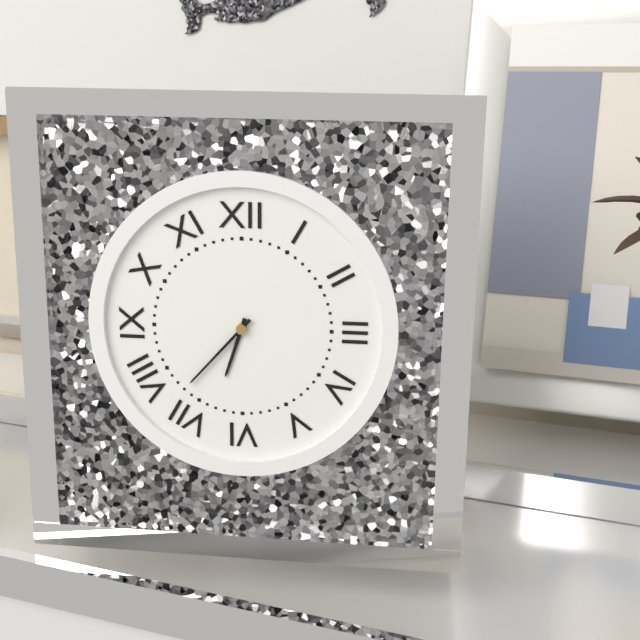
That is 6,37
